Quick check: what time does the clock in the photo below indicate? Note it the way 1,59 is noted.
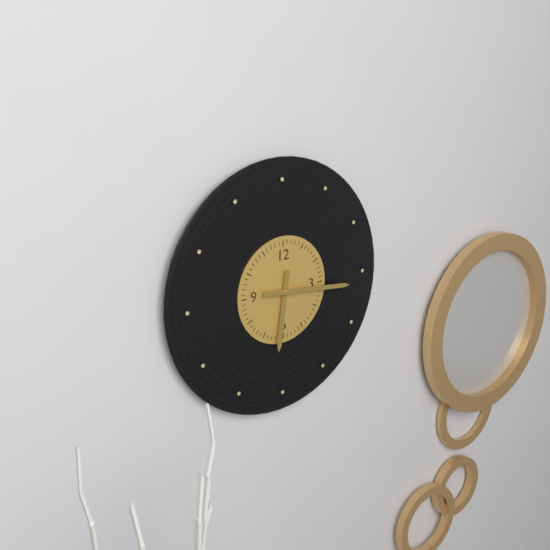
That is 6,16
